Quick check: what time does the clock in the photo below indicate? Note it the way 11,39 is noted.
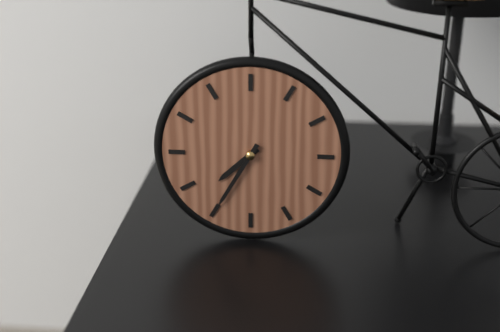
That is 7,35
